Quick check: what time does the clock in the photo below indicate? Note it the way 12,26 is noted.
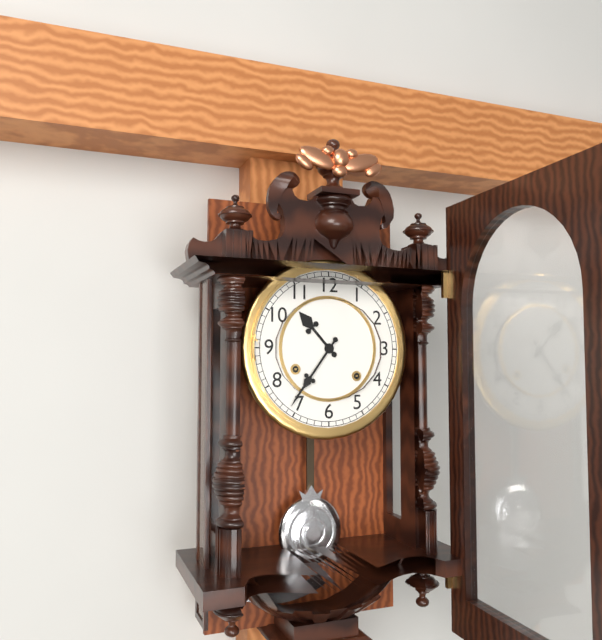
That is 10,36
